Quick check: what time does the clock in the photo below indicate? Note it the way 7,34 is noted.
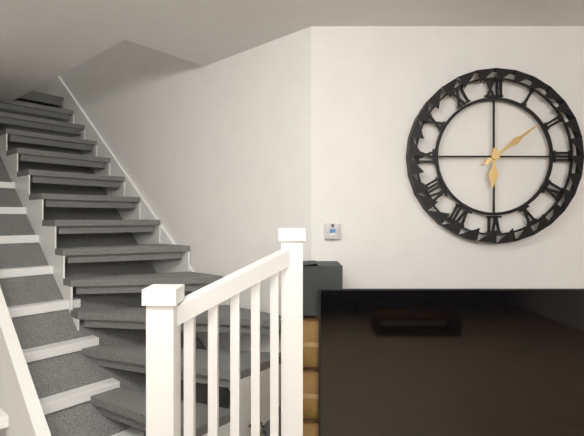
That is 6,09
